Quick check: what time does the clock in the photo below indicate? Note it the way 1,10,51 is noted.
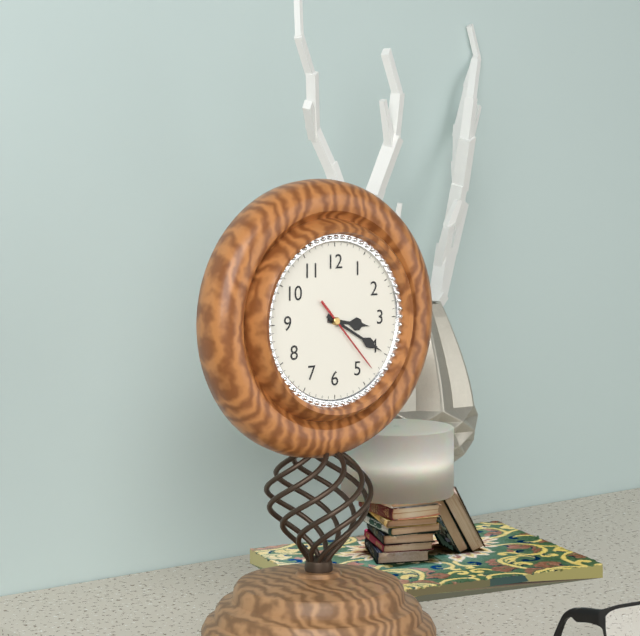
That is 3,20,23
